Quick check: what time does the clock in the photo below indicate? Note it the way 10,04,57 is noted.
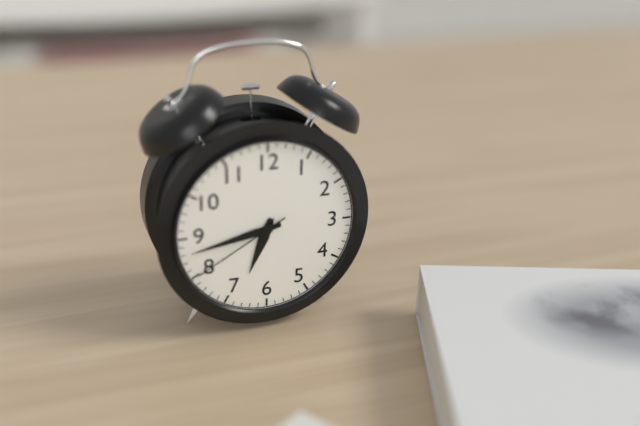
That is 6,43,40
